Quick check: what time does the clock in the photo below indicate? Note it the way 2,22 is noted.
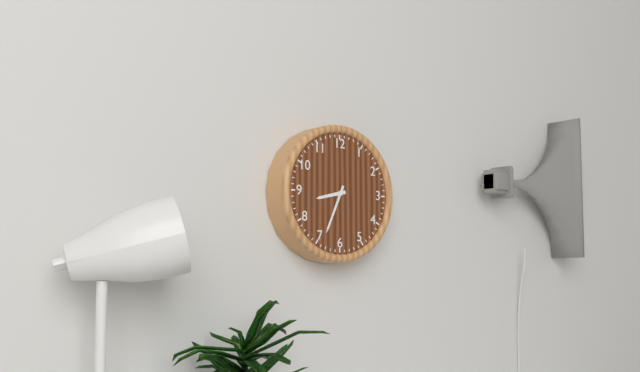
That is 8,34
